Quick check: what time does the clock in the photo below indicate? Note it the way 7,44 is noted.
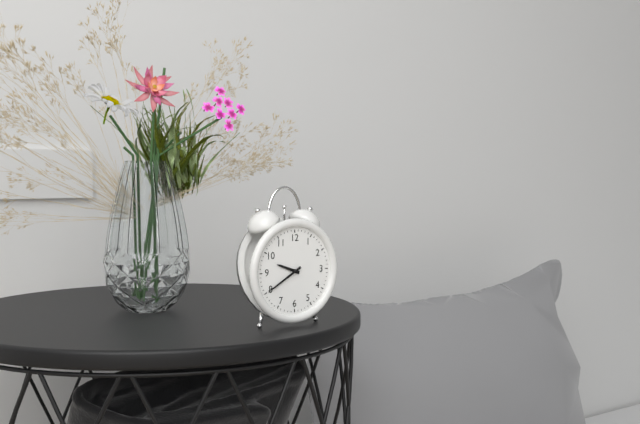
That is 9,40
